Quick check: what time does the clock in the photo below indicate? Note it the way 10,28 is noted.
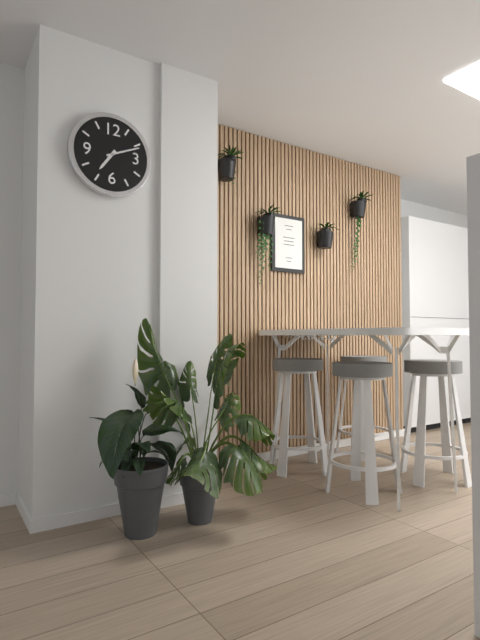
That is 7,11
